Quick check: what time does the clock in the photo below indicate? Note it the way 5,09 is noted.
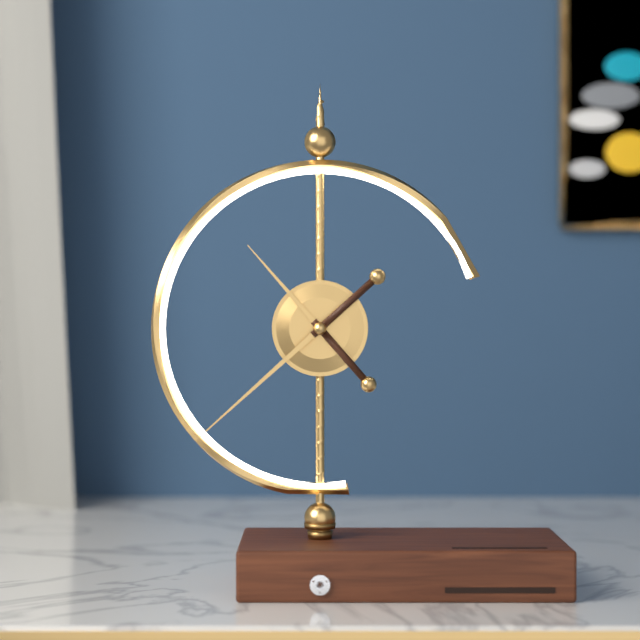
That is 10,38
